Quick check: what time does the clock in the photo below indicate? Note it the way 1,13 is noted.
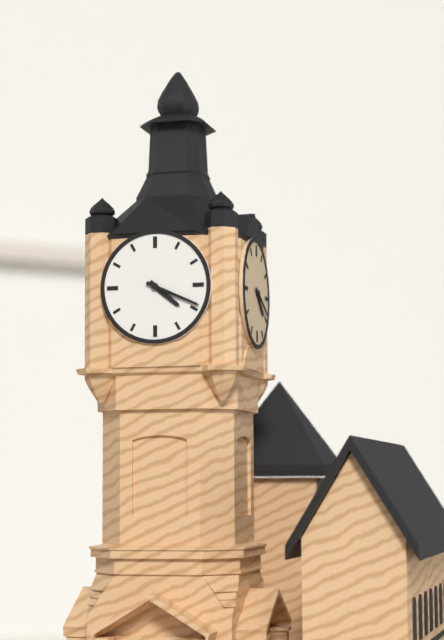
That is 4,19
